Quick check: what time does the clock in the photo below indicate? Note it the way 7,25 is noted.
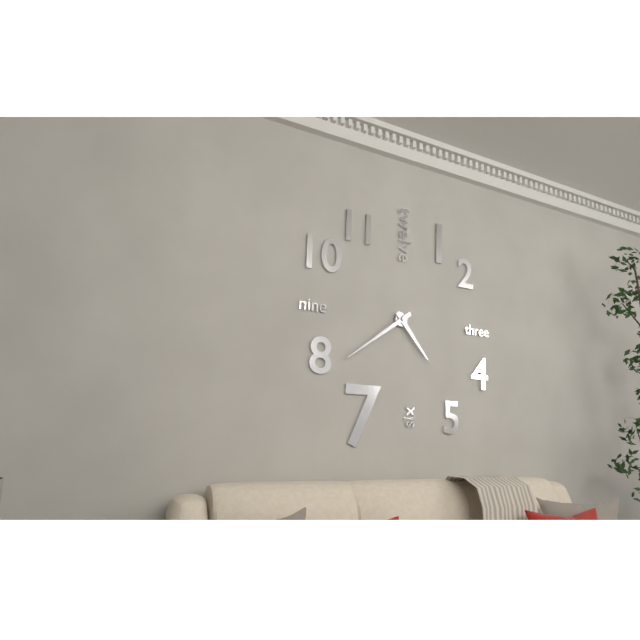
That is 4,39
